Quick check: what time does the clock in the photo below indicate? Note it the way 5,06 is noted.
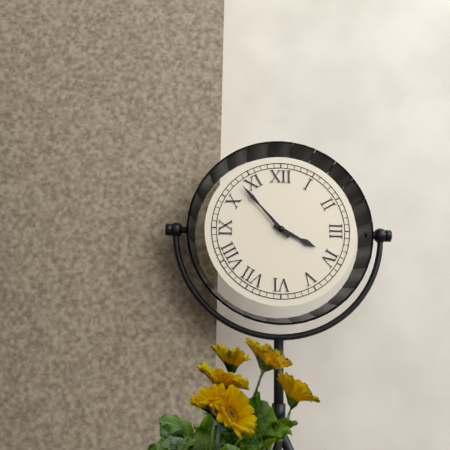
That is 3,53
